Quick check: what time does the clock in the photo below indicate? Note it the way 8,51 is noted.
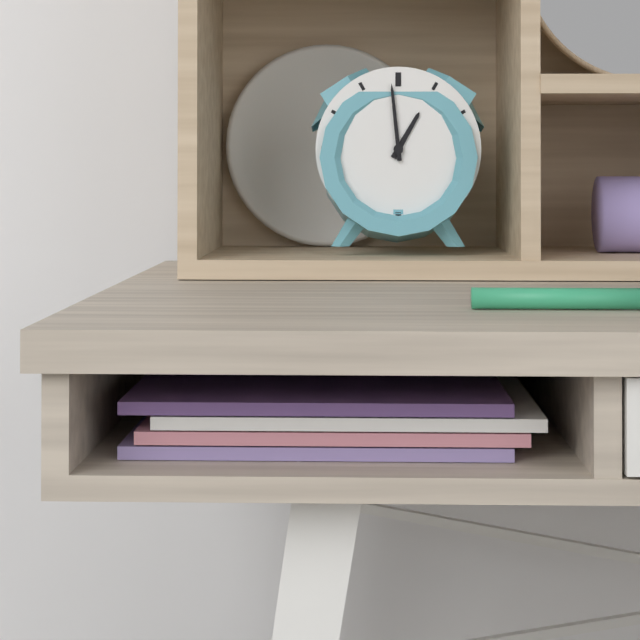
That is 12,59
